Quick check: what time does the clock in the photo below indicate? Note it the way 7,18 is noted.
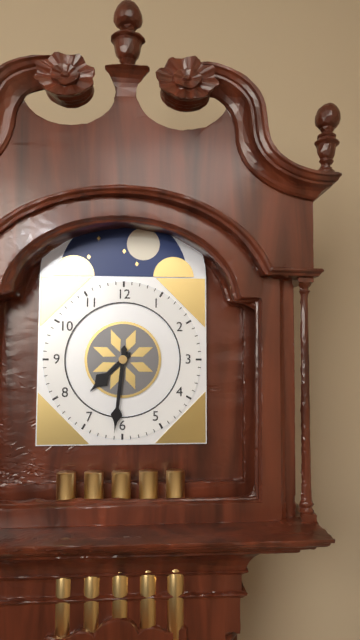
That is 7,31
